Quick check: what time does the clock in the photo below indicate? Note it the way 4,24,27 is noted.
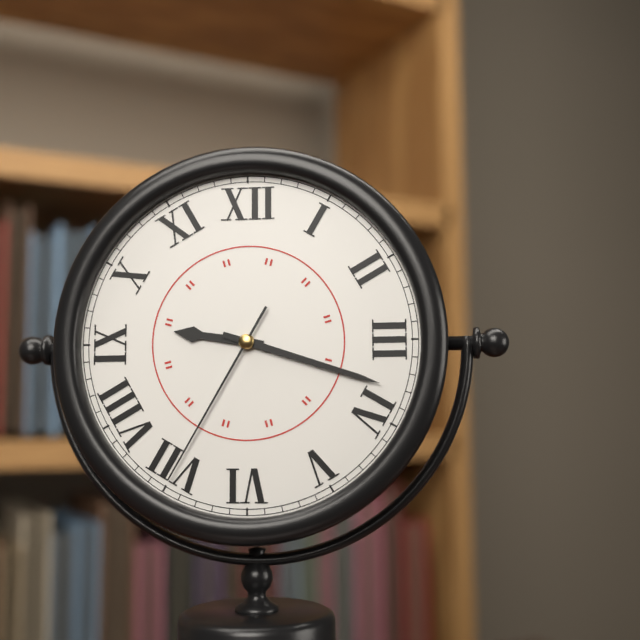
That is 9,18,35
